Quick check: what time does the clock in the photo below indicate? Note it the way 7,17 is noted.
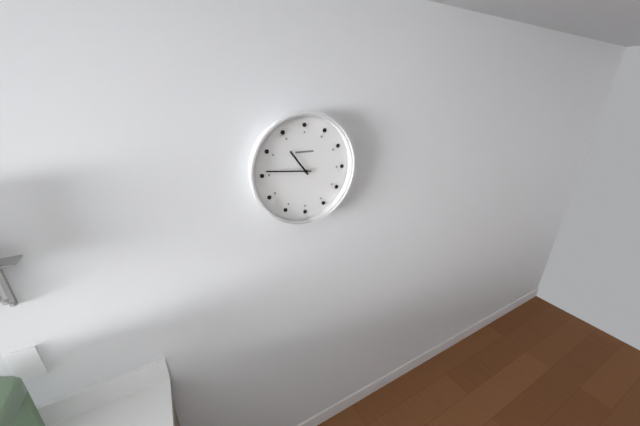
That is 10,46
